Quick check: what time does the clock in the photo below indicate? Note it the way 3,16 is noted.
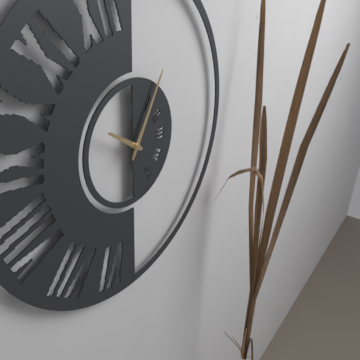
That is 10,05
